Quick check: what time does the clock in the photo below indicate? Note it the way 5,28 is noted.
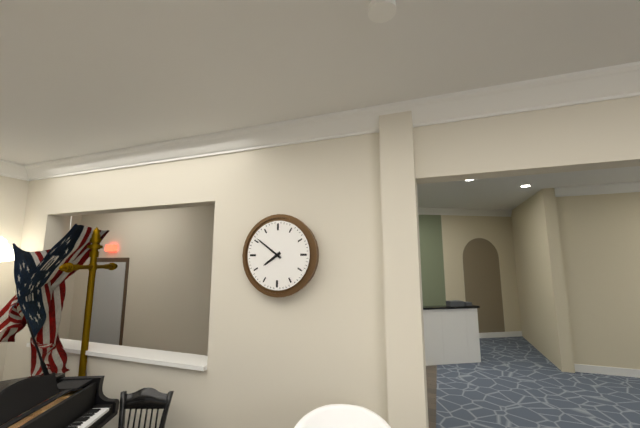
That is 7,51
